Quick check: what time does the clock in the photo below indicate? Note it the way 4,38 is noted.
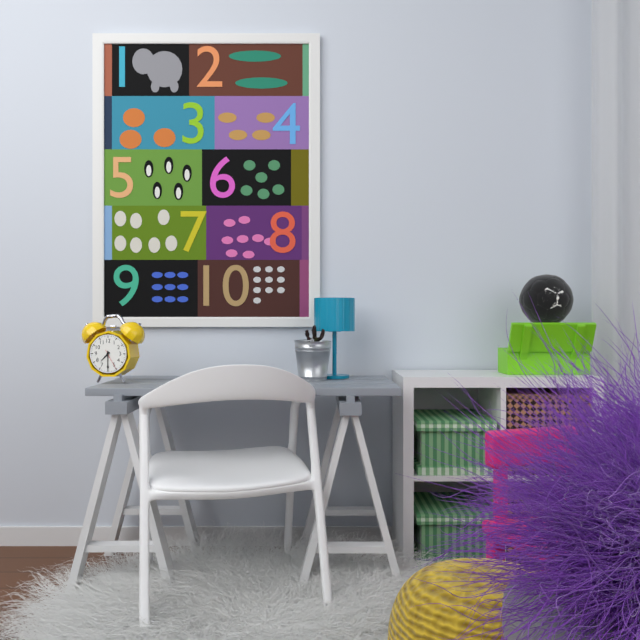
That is 7,30
